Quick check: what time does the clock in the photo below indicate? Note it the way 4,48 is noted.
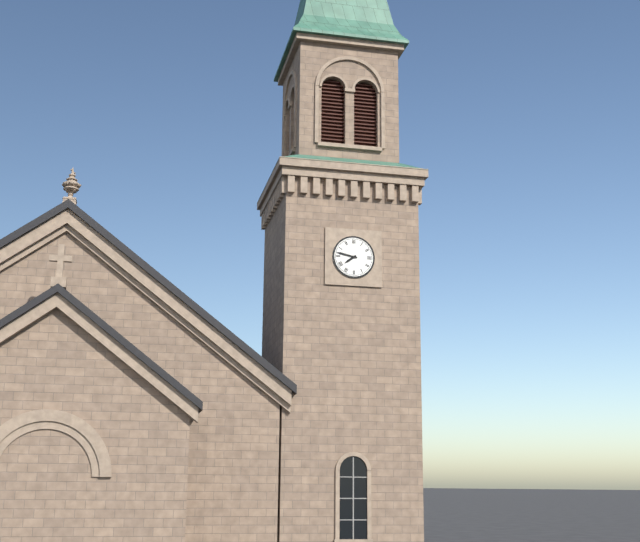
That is 7,47
